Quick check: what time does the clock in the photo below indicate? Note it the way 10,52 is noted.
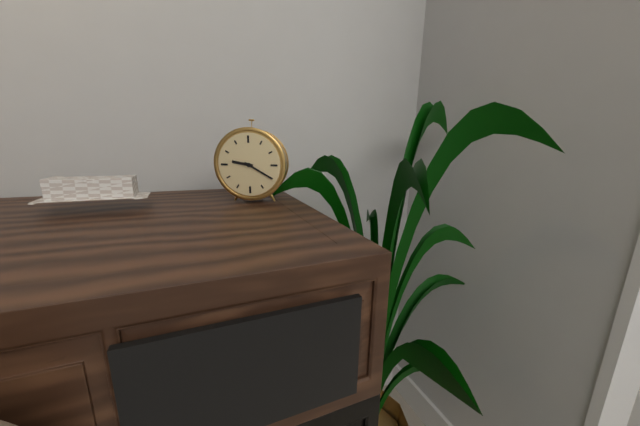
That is 9,20
